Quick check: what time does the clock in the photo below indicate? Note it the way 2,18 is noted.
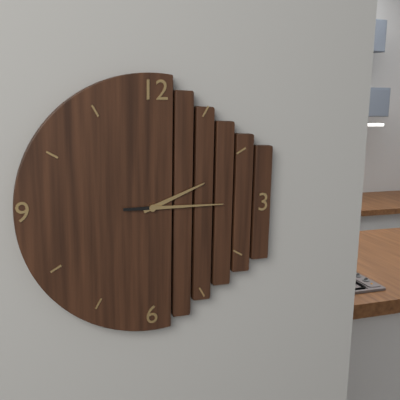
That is 2,15
